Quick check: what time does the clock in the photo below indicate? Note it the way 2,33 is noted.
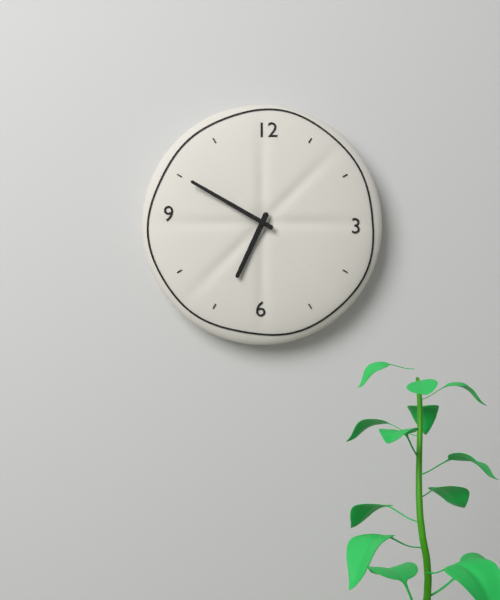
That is 6,50
